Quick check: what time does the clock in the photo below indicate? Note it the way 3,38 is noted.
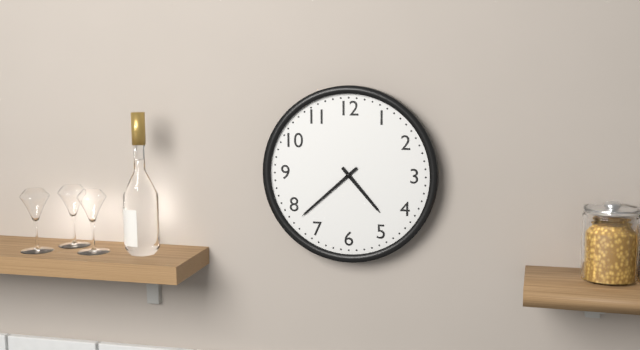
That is 4,38
